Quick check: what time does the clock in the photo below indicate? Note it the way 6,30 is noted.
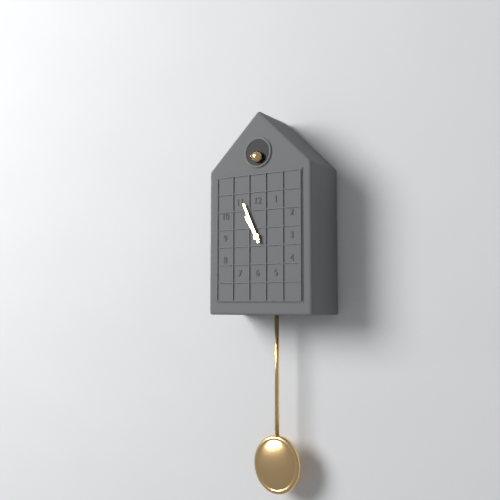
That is 10,56
